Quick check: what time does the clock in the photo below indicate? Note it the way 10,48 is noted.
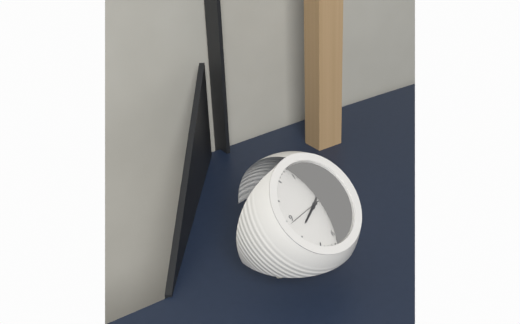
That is 8,09
